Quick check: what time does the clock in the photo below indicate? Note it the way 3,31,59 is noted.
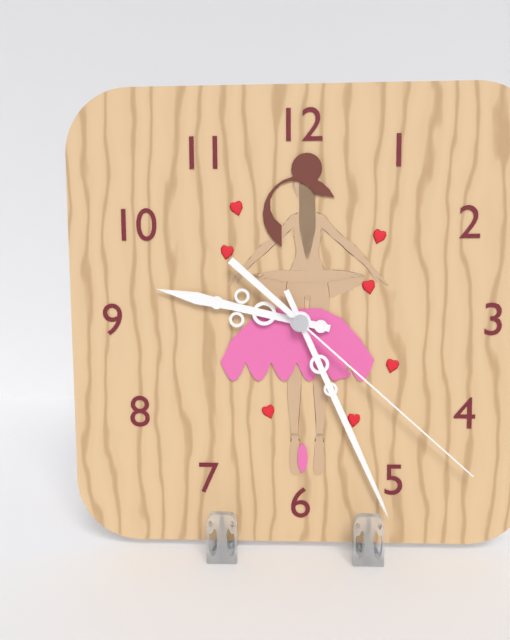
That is 9,26,22
